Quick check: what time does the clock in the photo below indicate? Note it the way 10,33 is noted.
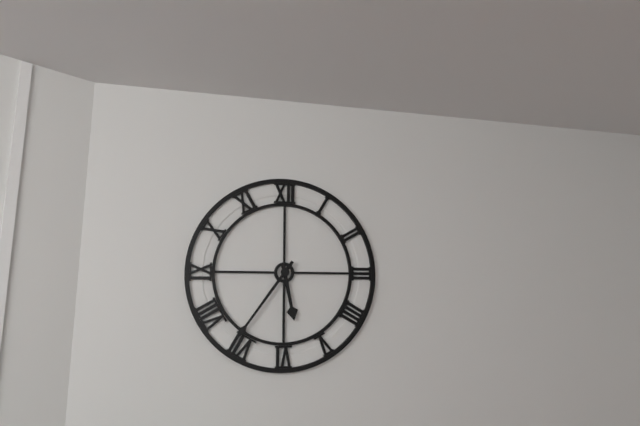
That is 5,36
